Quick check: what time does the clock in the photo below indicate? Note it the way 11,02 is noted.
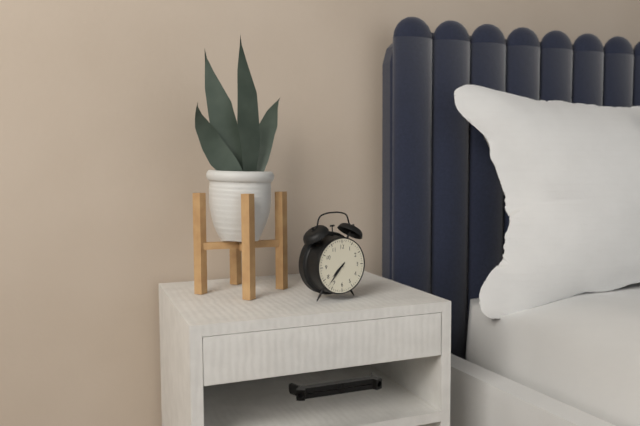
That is 7,37
